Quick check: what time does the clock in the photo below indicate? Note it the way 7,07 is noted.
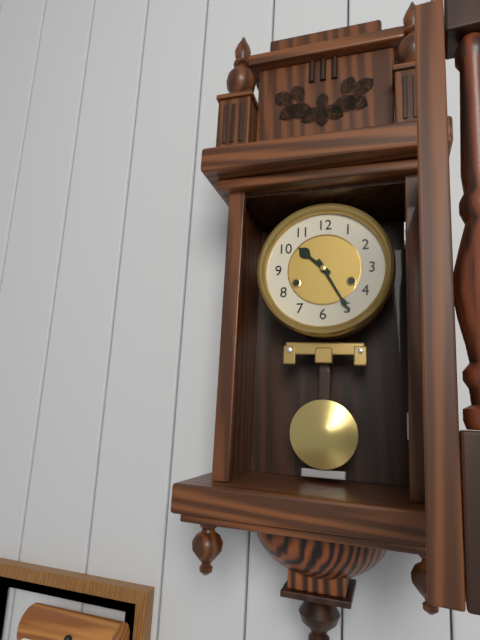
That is 10,25
